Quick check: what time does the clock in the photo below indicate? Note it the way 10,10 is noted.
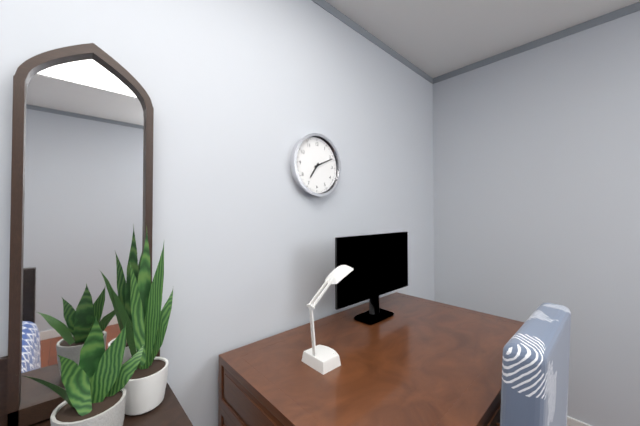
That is 7,11
